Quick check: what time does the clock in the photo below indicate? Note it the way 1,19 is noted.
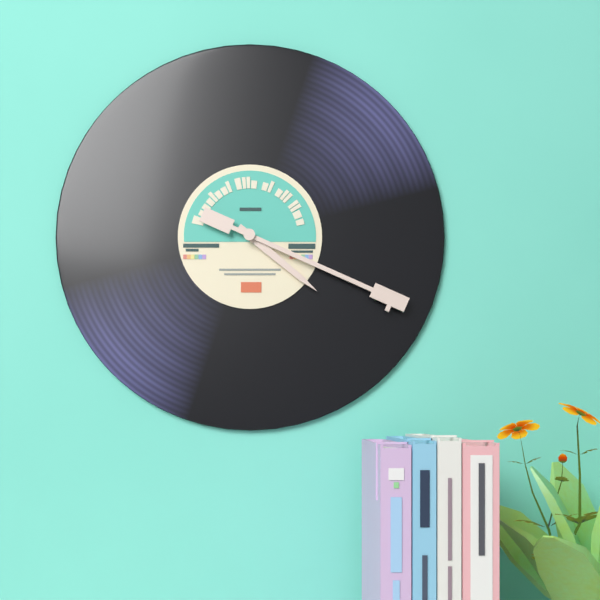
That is 4,19
